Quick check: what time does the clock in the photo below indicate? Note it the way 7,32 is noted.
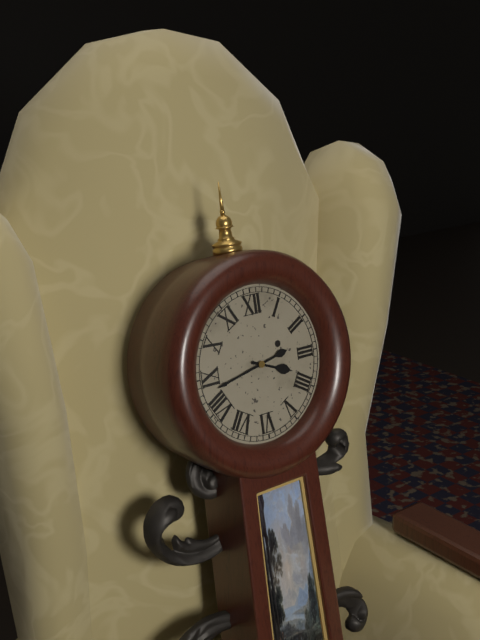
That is 3,43
